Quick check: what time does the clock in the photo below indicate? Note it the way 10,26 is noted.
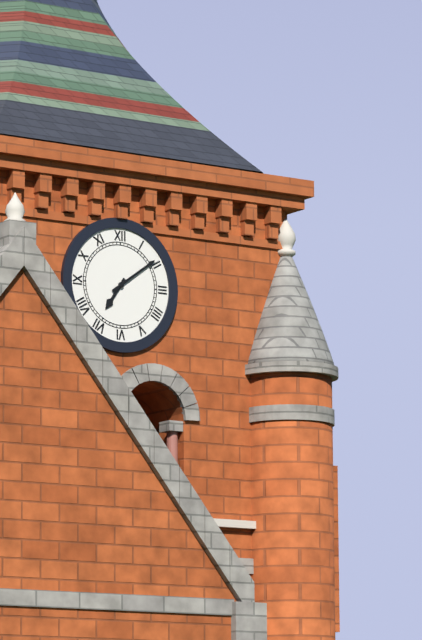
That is 7,09
